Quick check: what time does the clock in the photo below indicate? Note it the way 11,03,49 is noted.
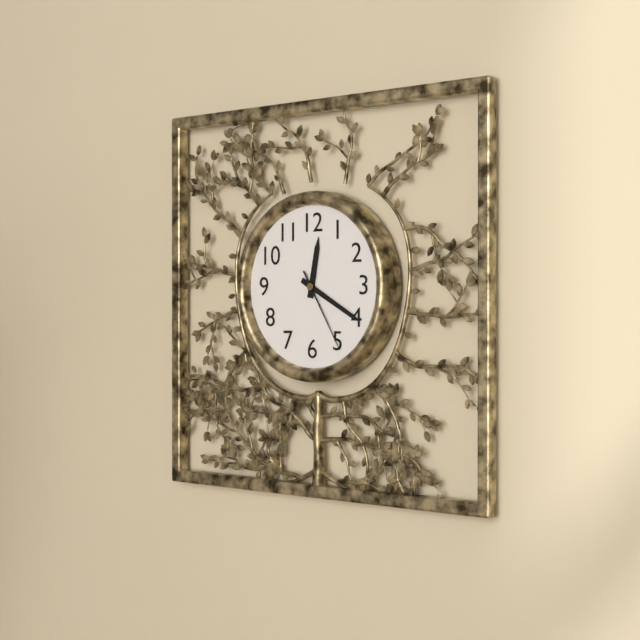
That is 12,20,25
